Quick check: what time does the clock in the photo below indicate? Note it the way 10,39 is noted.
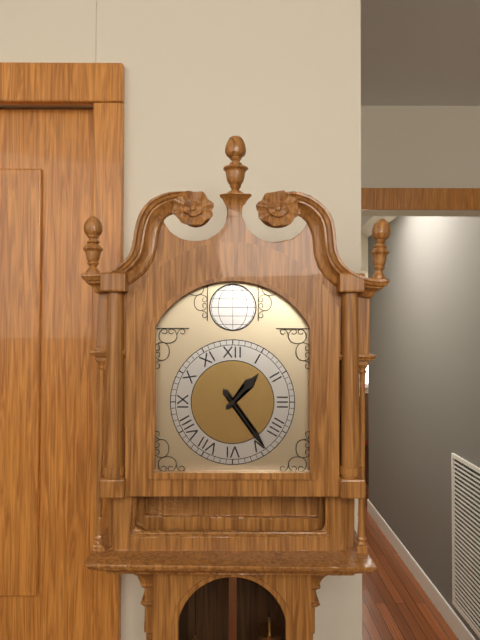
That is 1,24
